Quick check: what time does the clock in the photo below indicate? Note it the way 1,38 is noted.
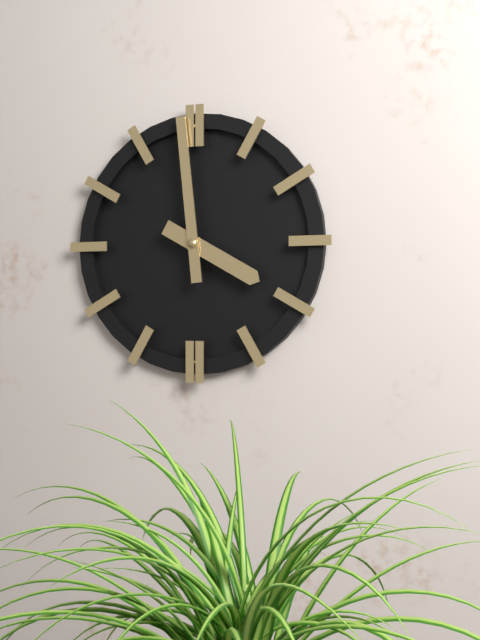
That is 3,59
